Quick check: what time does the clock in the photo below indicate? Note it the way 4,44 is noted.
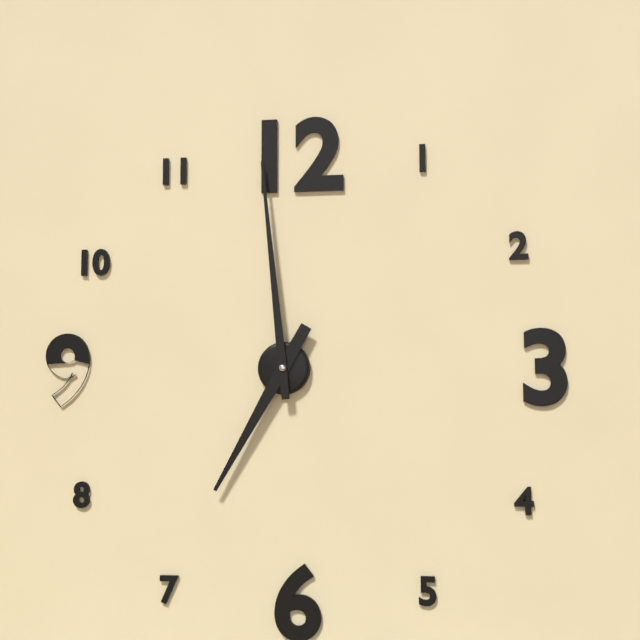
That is 6,59
